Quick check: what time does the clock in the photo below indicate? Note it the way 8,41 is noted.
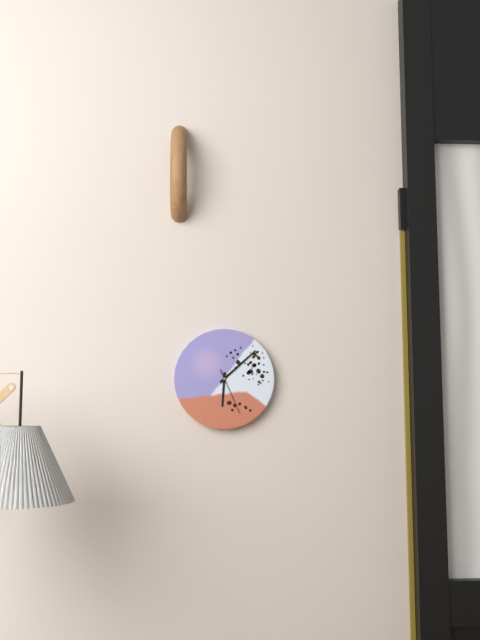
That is 6,08
